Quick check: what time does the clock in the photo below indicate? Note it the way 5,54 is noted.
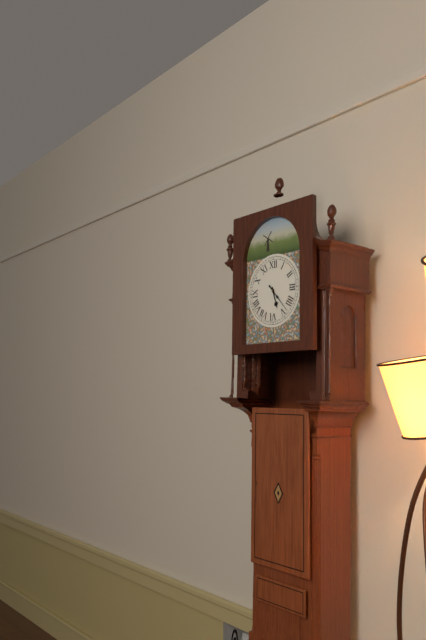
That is 5,23
